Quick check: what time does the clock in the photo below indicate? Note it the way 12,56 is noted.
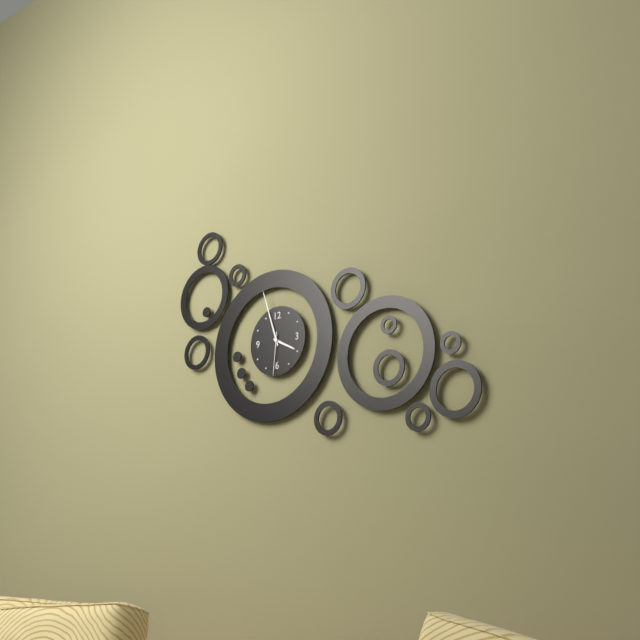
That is 3,57
